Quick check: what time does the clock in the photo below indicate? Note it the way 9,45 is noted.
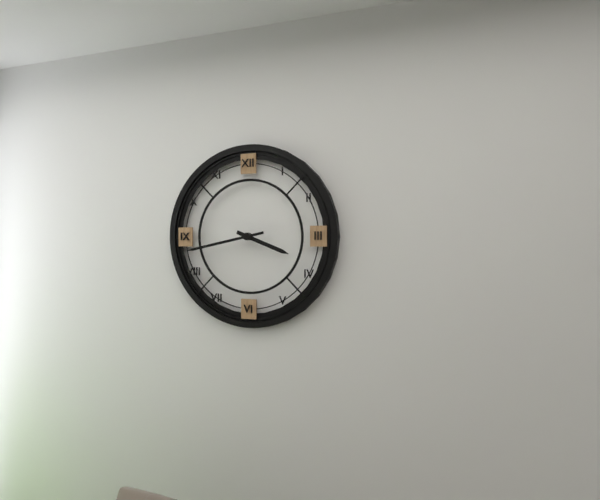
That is 3,43
